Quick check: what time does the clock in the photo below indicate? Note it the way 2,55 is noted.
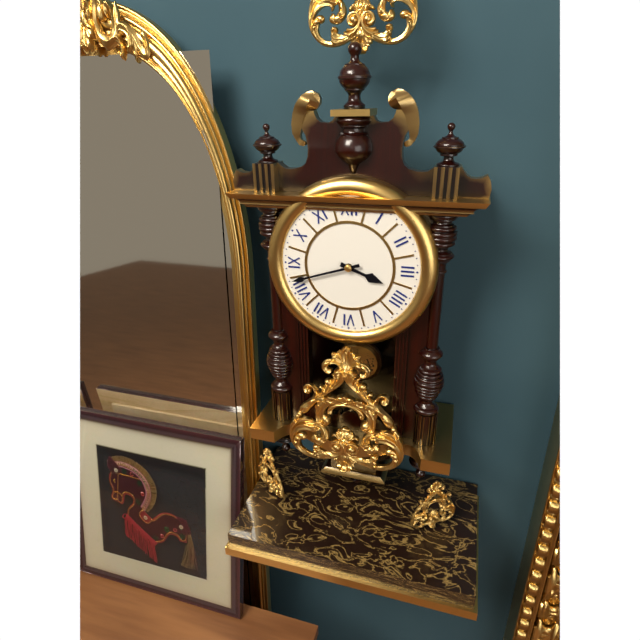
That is 3,42
